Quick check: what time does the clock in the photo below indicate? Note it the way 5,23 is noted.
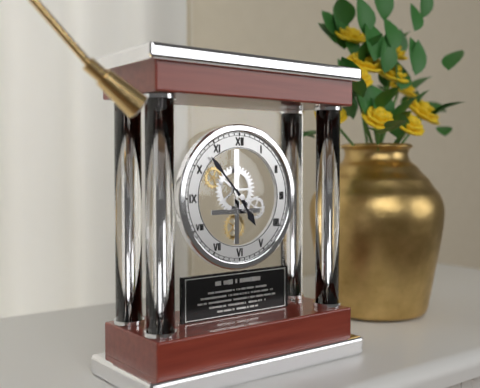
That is 4,53
